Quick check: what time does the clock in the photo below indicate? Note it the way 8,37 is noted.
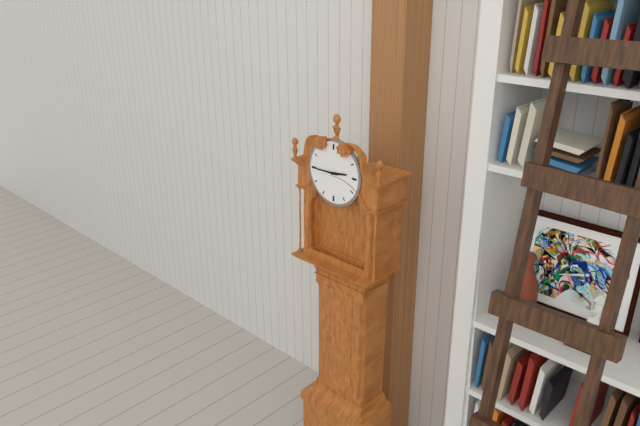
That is 2,45
